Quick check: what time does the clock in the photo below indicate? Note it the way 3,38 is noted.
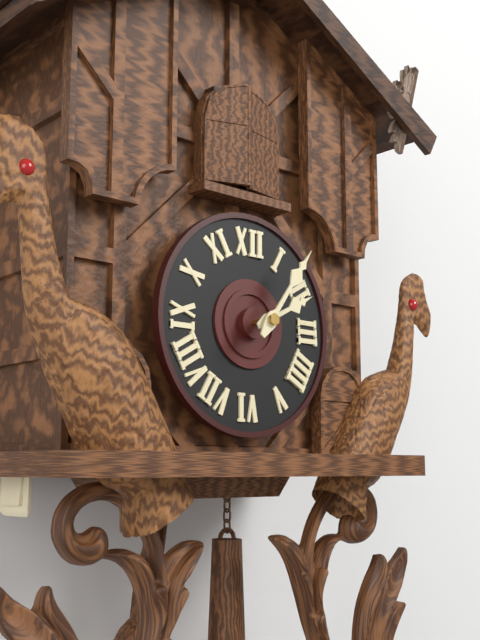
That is 2,06
